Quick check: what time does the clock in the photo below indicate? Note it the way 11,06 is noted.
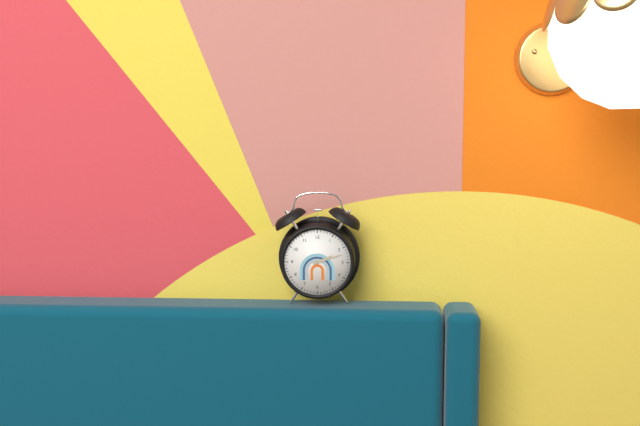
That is 2,12
